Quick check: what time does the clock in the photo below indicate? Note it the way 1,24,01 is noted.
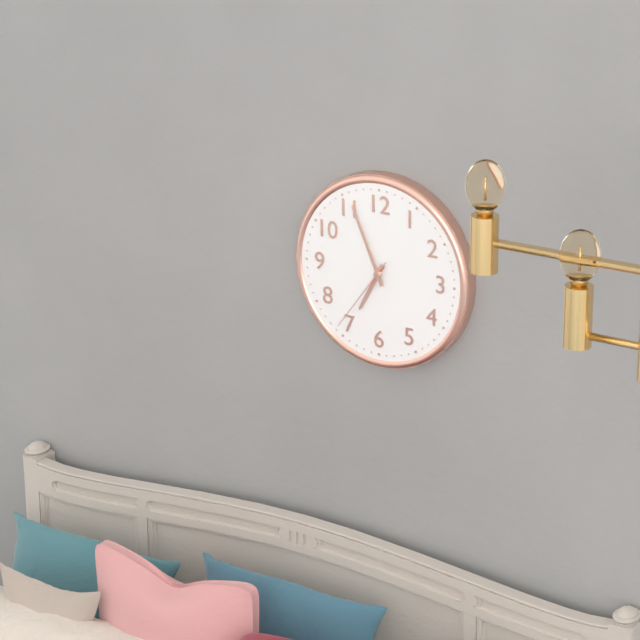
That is 6,56,36
